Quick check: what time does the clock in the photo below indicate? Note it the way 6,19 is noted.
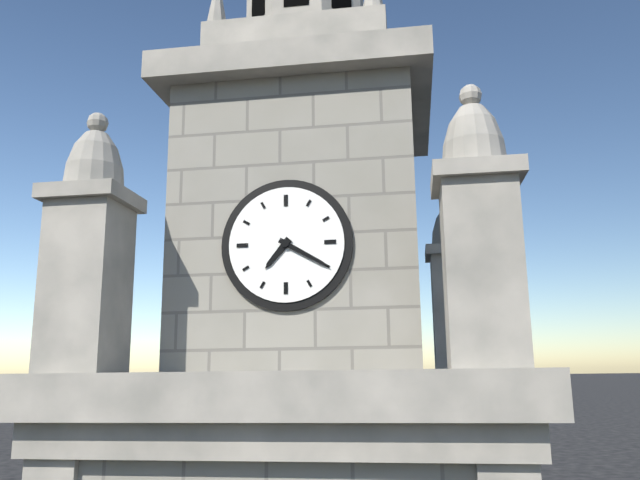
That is 7,20
